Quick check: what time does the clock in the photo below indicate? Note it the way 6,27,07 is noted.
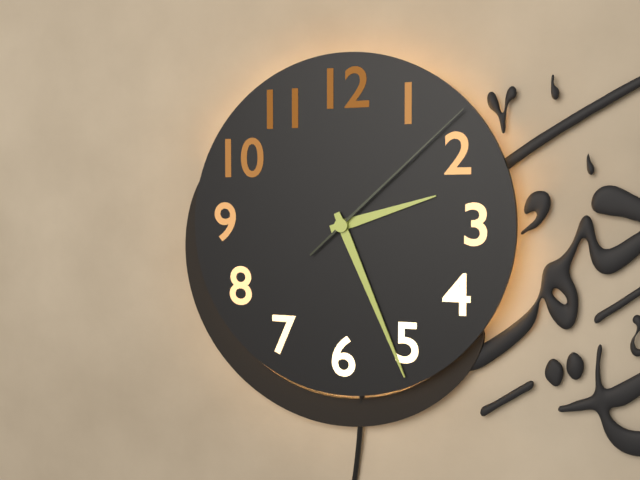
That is 2,26,08
